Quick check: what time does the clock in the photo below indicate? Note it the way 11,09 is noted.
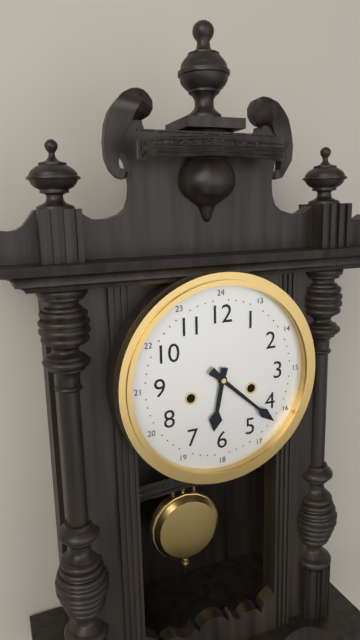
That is 6,22
